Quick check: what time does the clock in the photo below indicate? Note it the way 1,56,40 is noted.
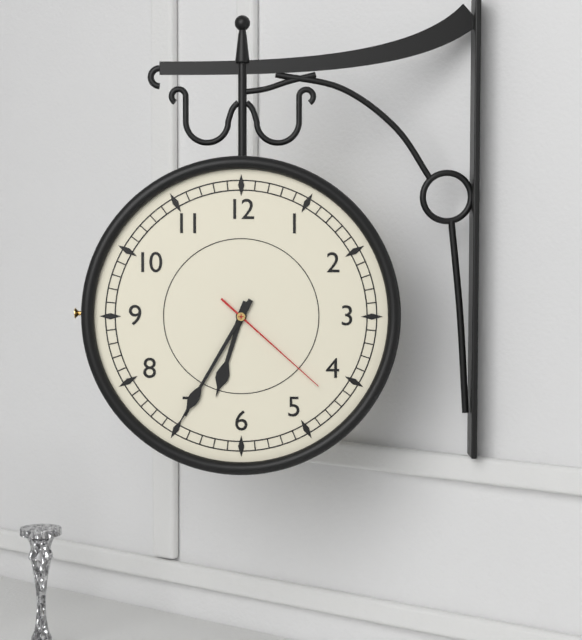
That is 6,35,22
